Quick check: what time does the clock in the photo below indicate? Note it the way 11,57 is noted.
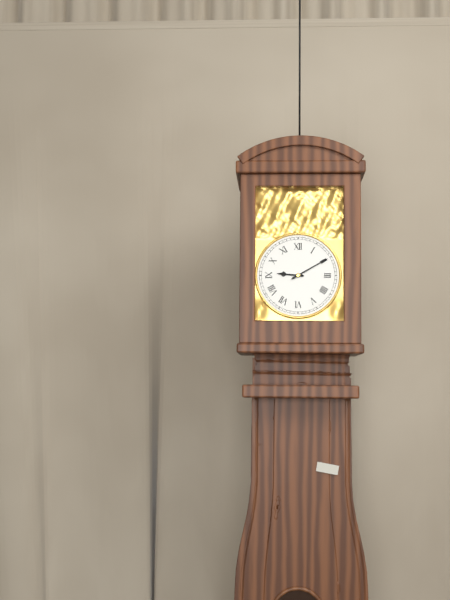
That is 9,10
